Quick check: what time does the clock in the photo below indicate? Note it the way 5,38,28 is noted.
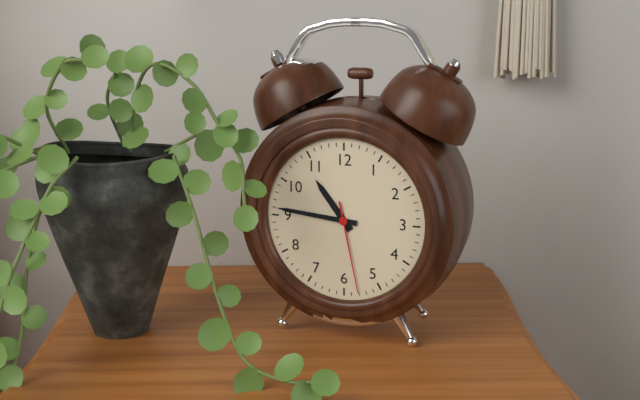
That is 10,46,28
